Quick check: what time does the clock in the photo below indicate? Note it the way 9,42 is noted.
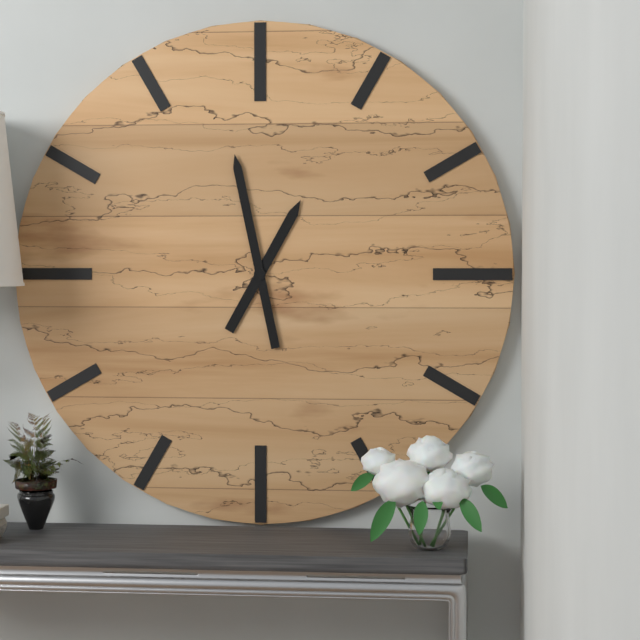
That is 12,58
